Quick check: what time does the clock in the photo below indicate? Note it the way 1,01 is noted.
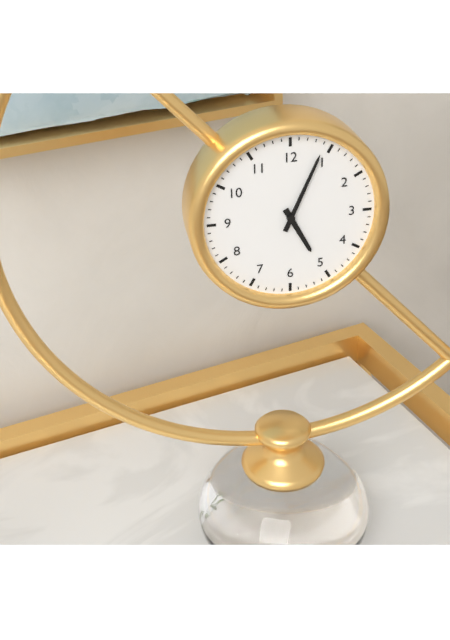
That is 5,04
